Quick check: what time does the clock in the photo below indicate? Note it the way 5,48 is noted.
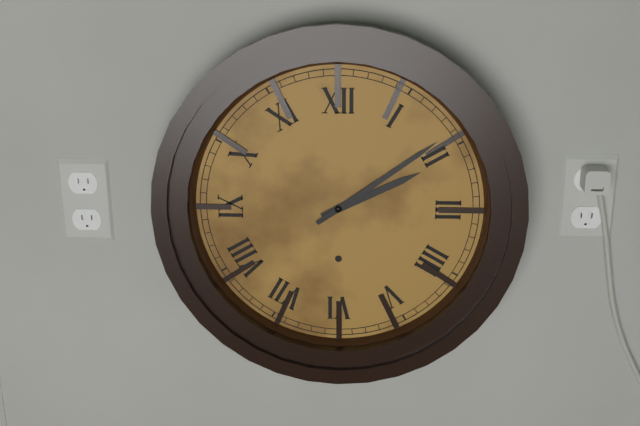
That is 2,09
